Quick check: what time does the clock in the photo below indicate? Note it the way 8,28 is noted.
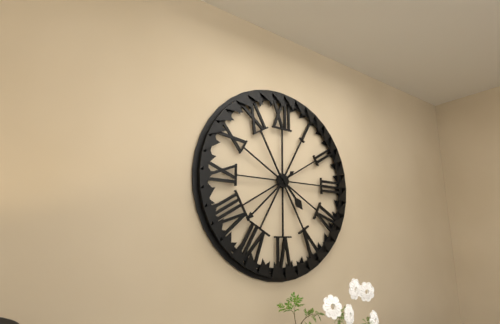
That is 4,38
